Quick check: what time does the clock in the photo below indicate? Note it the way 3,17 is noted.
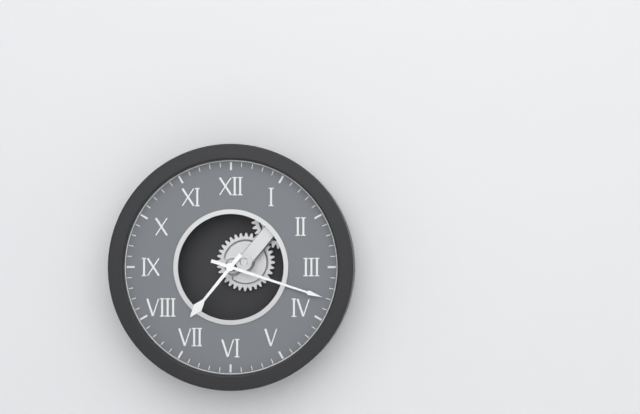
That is 7,18
